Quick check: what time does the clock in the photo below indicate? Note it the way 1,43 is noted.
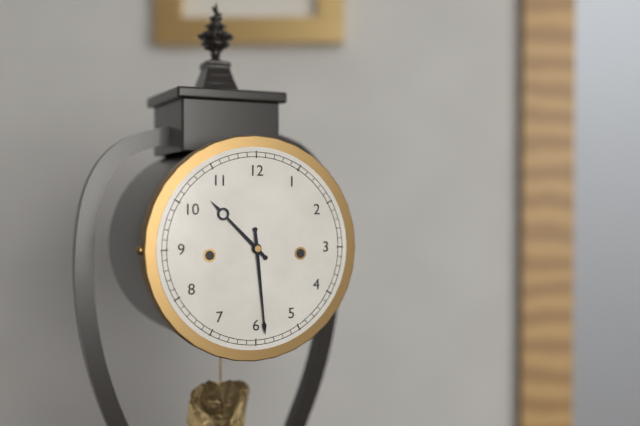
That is 10,29
